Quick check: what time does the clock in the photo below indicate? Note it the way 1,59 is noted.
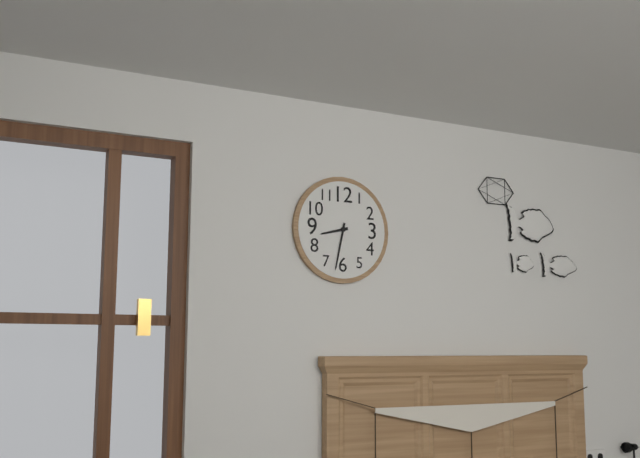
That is 8,32
